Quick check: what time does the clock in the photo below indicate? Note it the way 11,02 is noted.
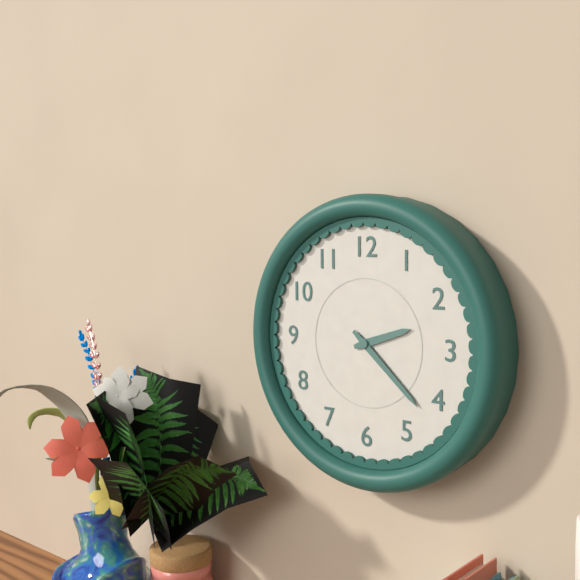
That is 2,22
